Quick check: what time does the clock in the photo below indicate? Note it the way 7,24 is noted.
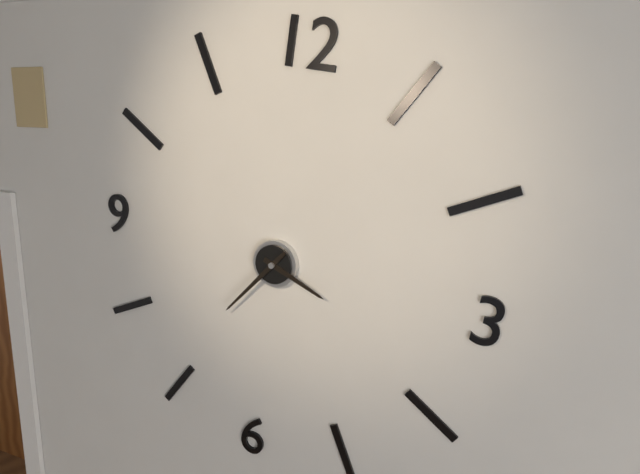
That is 3,36
